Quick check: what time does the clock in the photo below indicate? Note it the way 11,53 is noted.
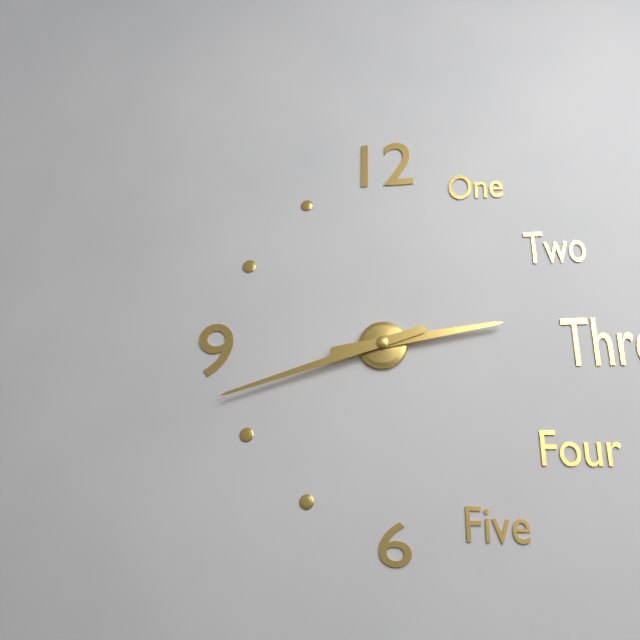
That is 2,42
